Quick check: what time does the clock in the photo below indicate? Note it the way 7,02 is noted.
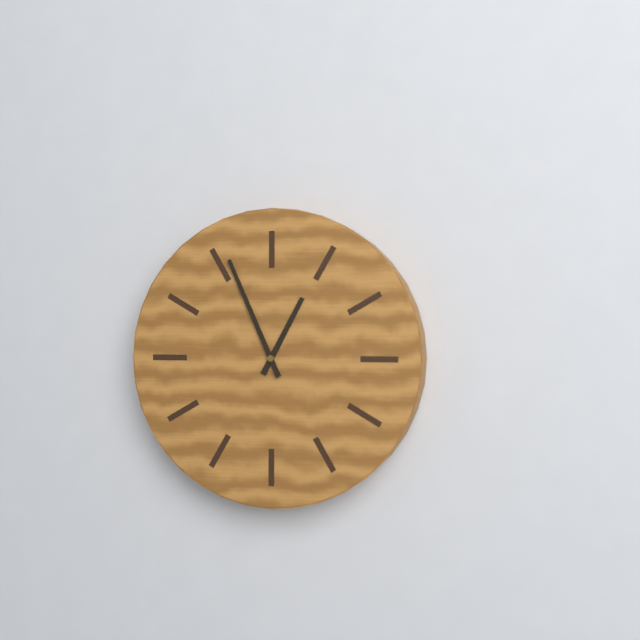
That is 12,56
